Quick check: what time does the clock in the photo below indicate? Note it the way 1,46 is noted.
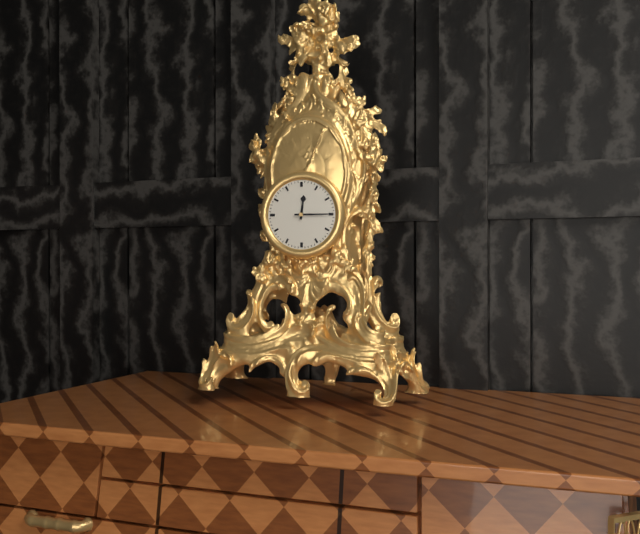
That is 12,15
